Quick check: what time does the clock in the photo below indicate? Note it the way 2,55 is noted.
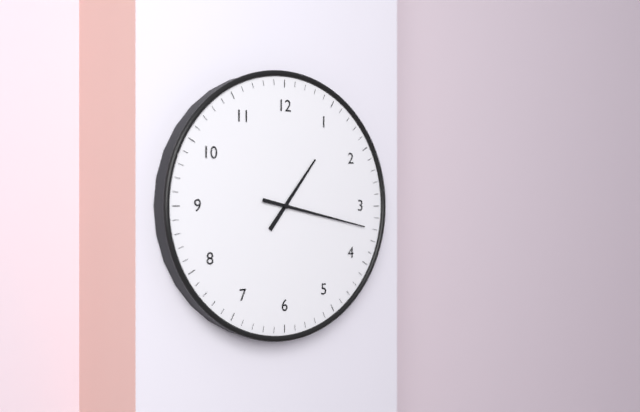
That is 1,17
